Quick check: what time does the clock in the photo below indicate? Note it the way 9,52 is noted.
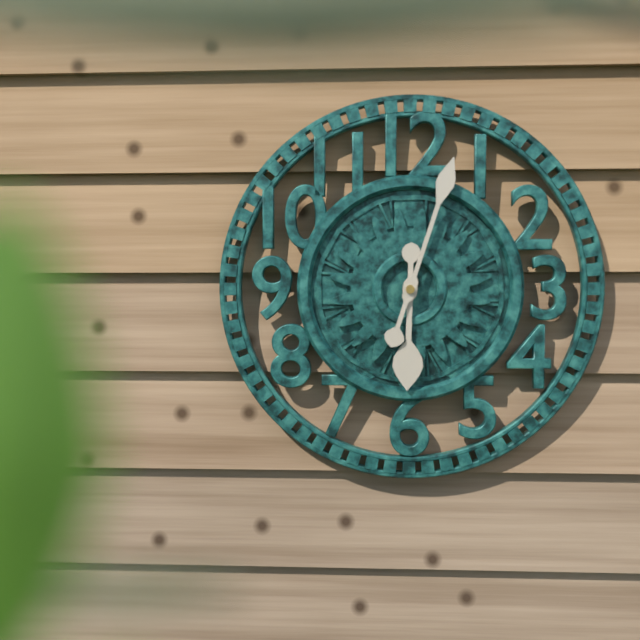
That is 6,03
